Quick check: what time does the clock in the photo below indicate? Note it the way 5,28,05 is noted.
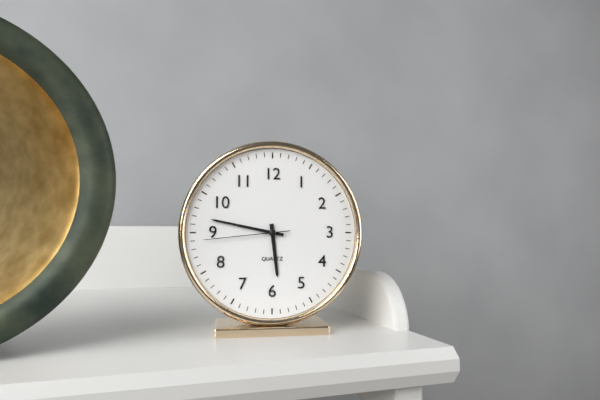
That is 5,47,44
